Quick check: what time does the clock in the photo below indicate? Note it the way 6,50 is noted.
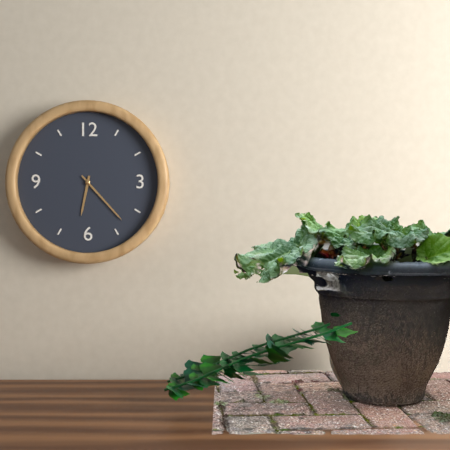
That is 6,23
